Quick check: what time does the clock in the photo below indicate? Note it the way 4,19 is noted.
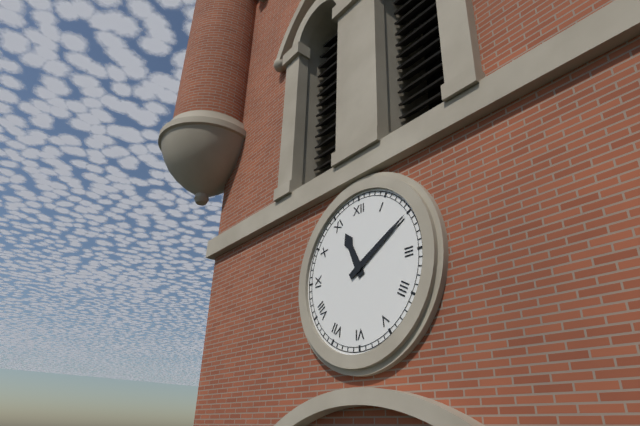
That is 11,10
